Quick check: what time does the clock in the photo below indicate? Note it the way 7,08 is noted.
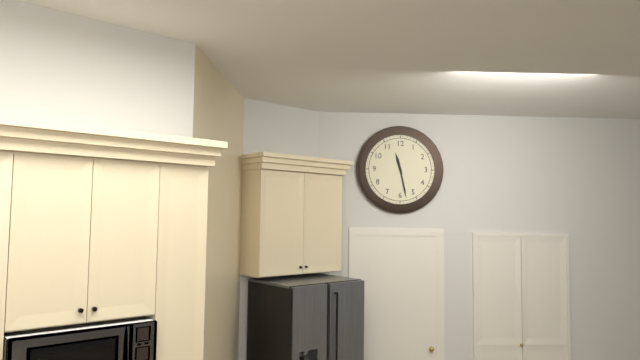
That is 11,28
